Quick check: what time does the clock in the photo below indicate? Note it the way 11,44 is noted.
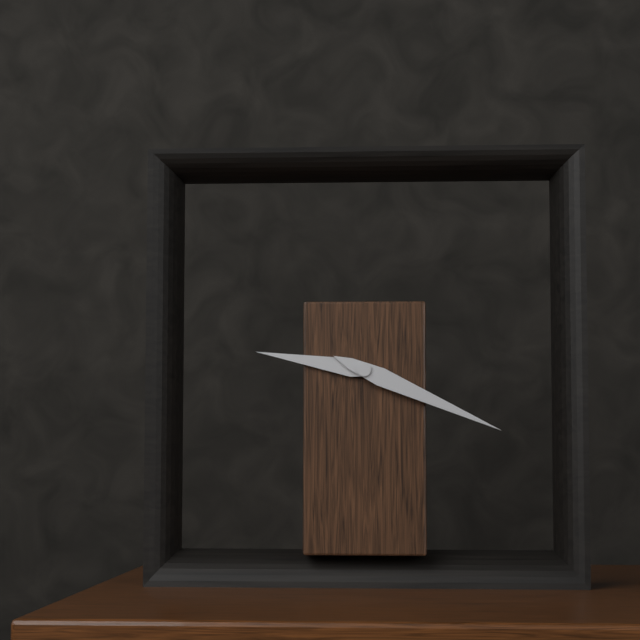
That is 9,19
